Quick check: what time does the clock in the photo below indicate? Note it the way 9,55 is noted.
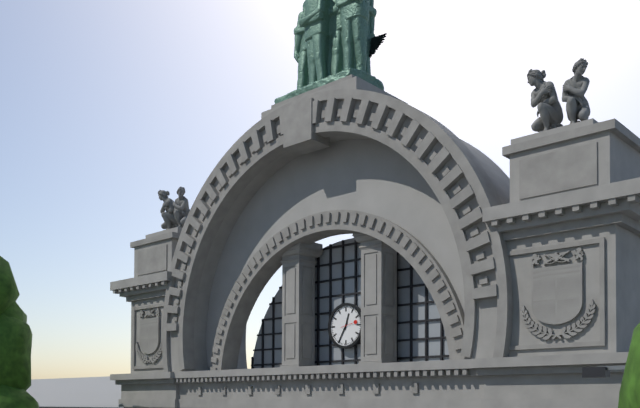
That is 12,35
